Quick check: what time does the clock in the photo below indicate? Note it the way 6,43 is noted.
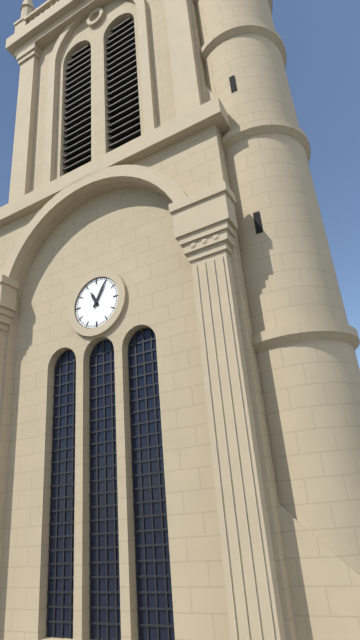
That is 11,05
